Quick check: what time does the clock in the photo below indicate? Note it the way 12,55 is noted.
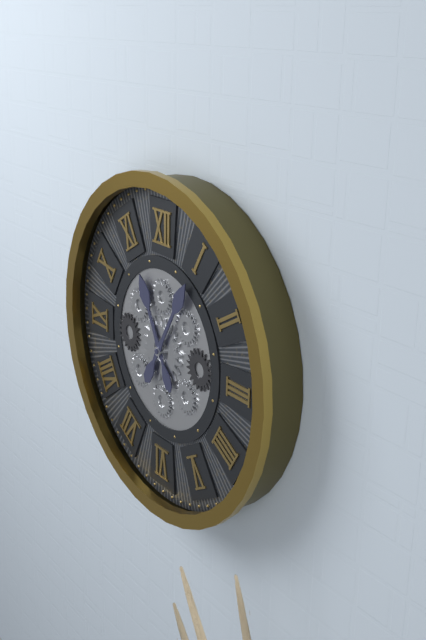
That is 11,05
